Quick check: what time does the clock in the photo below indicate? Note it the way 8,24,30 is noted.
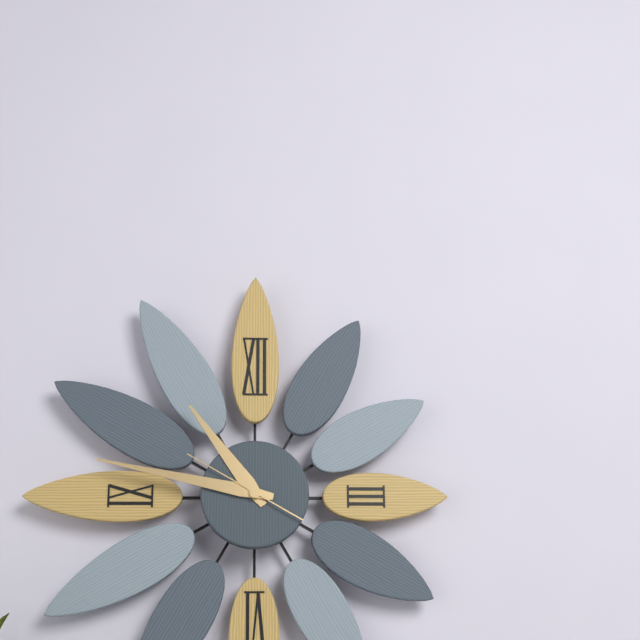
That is 10,47,50
